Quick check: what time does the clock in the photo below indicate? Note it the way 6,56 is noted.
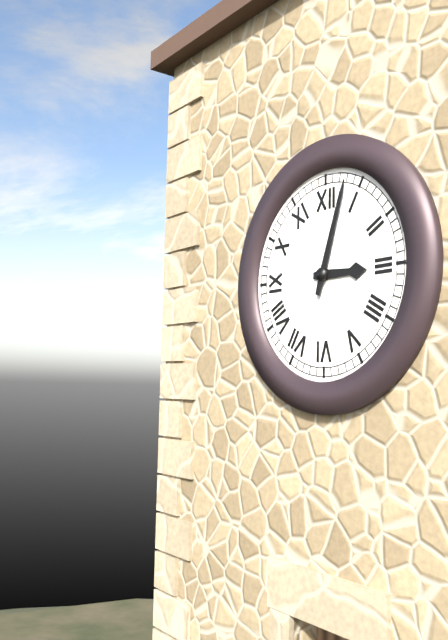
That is 3,03
